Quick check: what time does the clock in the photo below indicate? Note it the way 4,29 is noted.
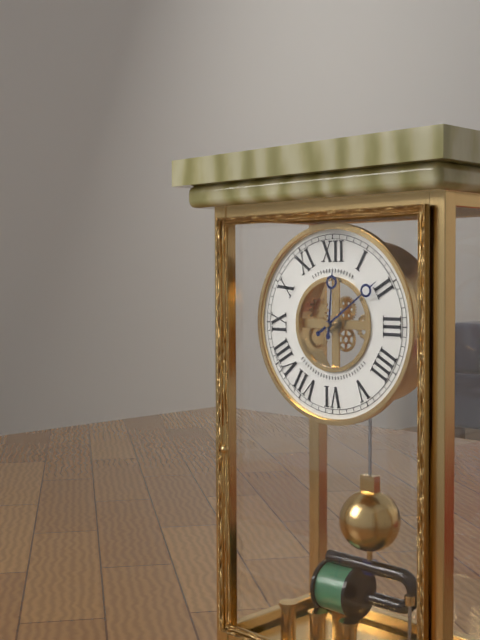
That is 12,09
